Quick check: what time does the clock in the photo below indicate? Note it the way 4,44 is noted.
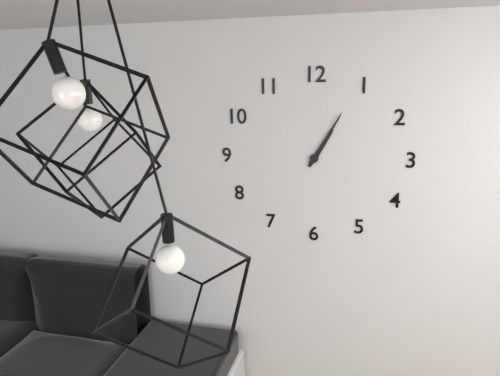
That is 1,05
